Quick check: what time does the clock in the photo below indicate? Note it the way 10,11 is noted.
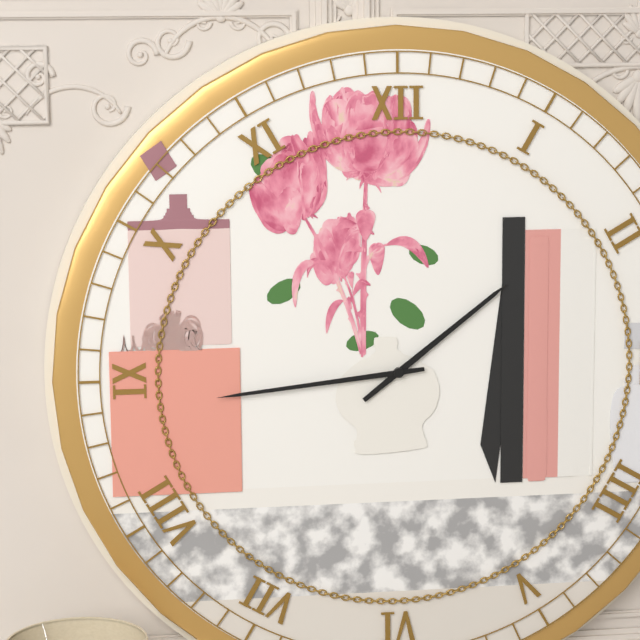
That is 1,44
